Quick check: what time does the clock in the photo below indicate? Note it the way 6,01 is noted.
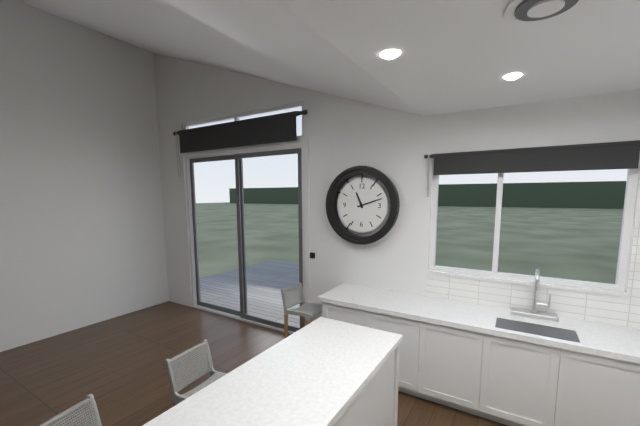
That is 11,12
